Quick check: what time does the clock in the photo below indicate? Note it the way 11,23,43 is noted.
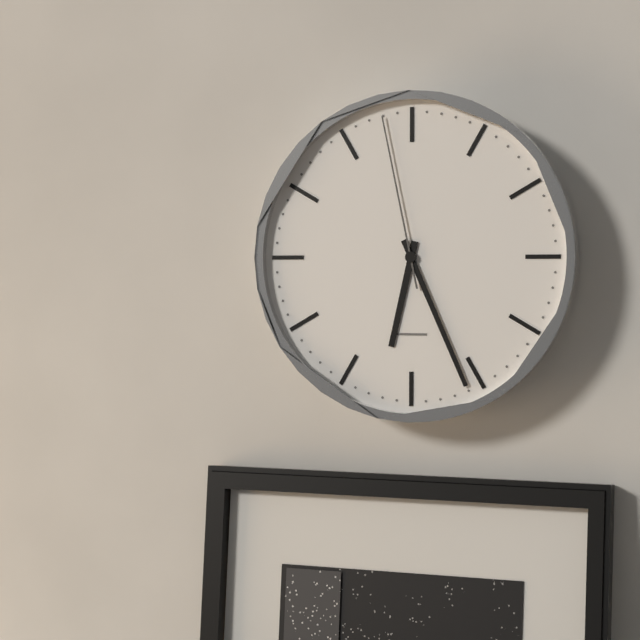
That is 6,26,58
